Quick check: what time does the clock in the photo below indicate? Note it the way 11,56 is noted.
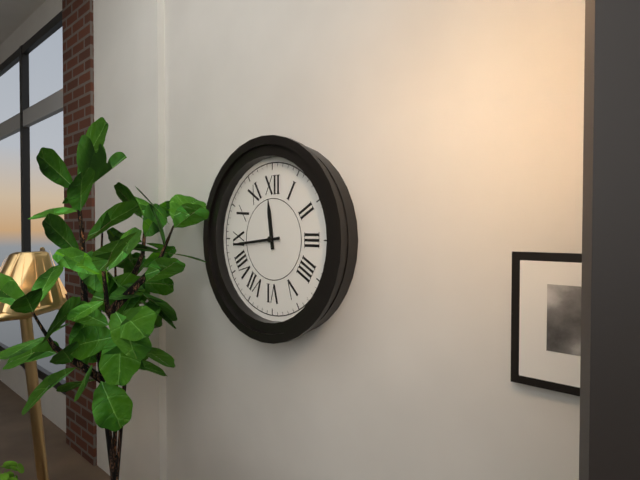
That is 11,44
